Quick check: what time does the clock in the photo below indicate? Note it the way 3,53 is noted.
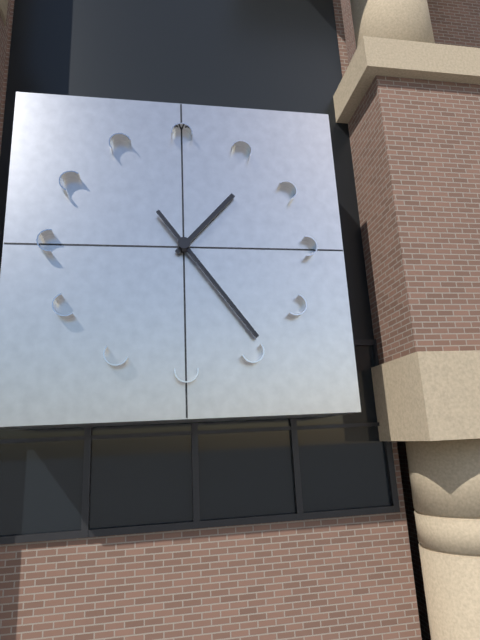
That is 1,24
